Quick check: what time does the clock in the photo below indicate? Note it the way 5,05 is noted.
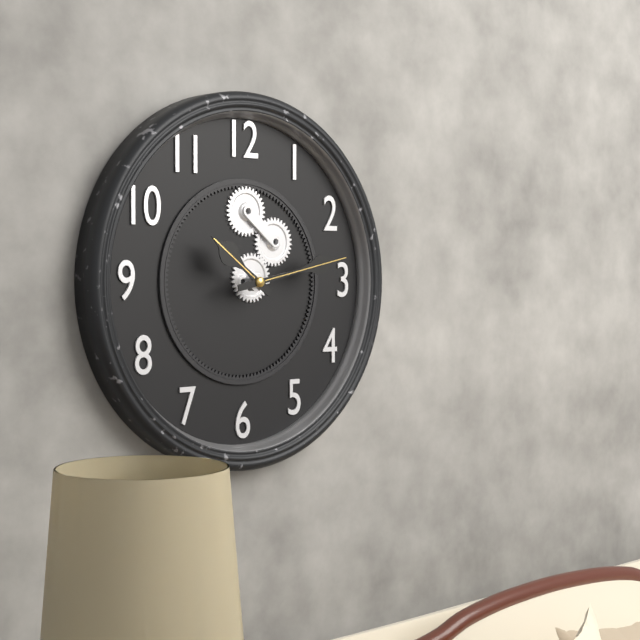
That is 10,13
